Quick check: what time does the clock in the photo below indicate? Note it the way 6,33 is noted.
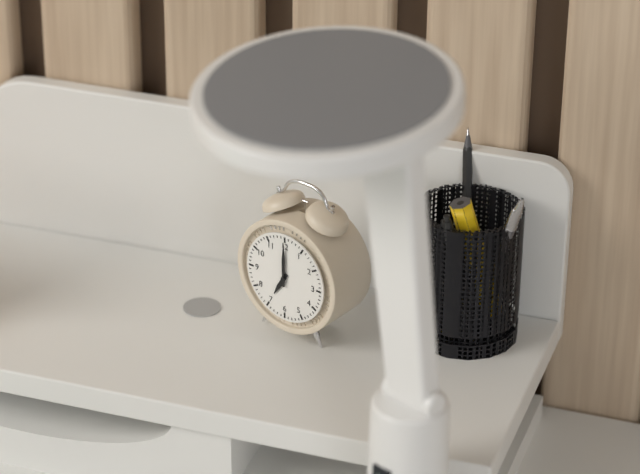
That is 7,00
